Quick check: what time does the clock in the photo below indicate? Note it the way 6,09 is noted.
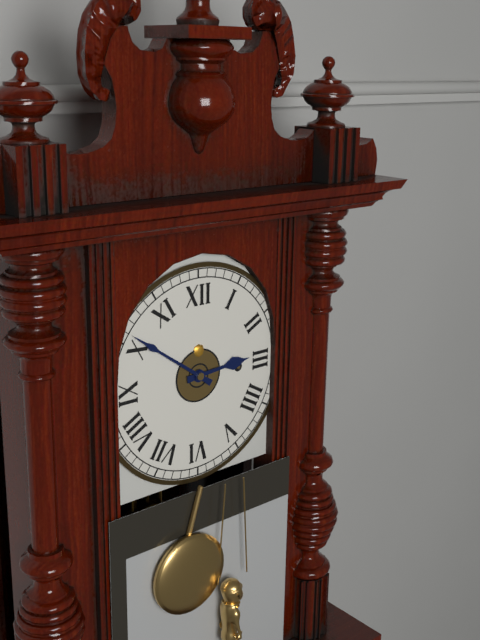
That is 2,51
